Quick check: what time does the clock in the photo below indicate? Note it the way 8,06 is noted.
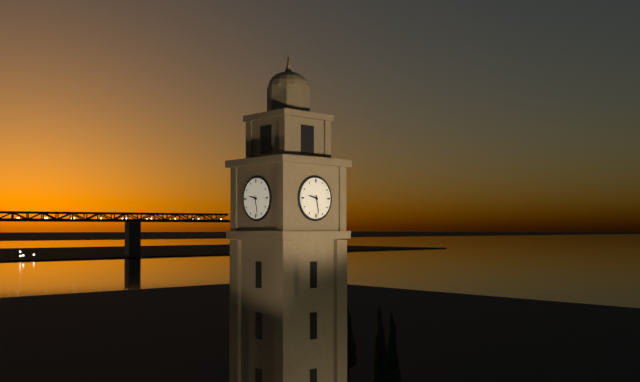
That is 9,28
